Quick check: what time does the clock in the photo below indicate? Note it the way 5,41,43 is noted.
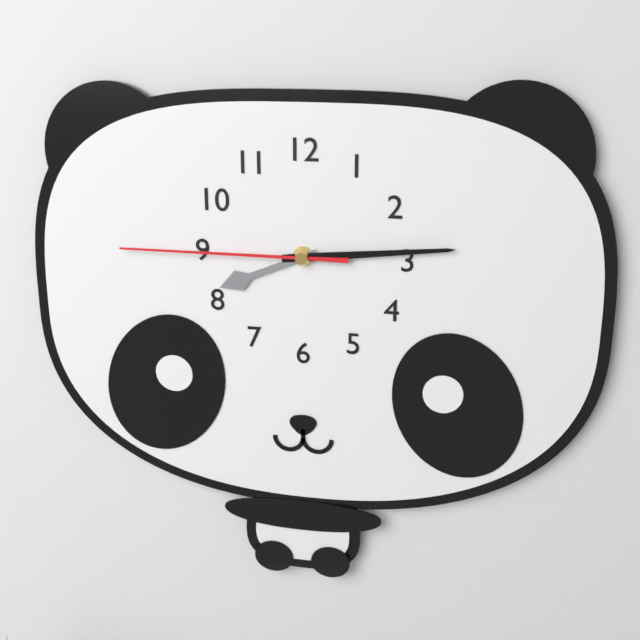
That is 8,14,45
